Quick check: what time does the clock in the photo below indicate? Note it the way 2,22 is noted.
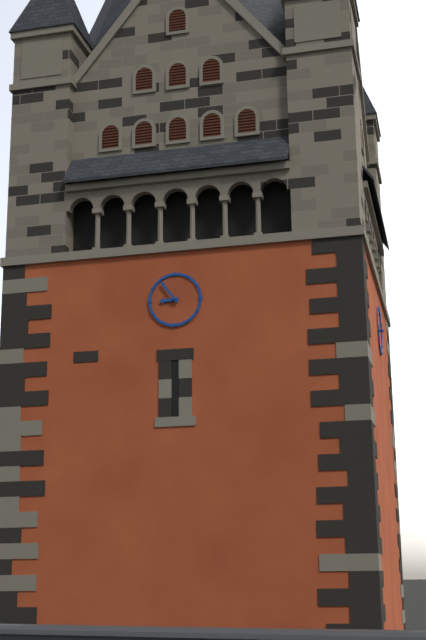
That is 8,54
